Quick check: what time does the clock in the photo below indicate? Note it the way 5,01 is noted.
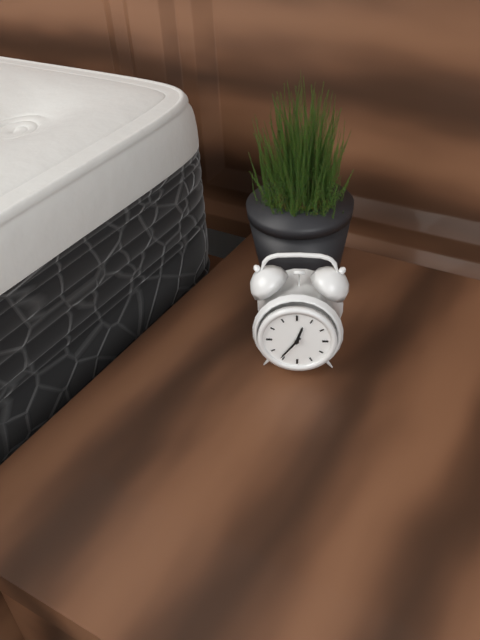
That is 12,36
